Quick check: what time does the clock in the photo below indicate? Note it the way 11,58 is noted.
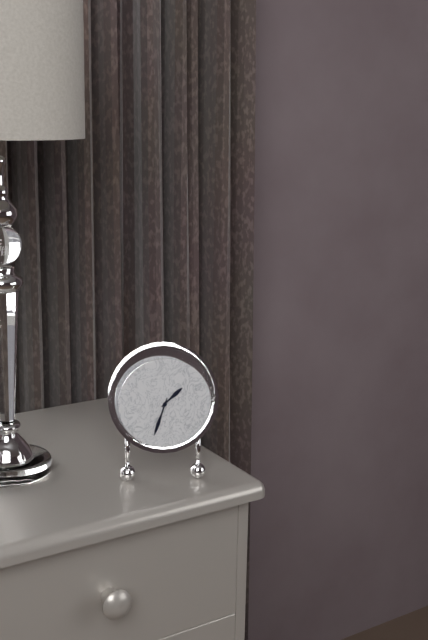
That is 1,33
